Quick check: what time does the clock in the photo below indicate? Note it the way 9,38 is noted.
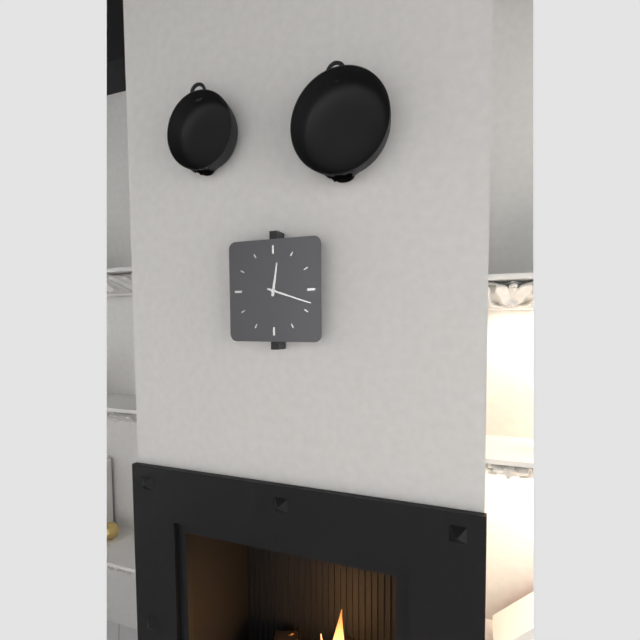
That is 12,18
